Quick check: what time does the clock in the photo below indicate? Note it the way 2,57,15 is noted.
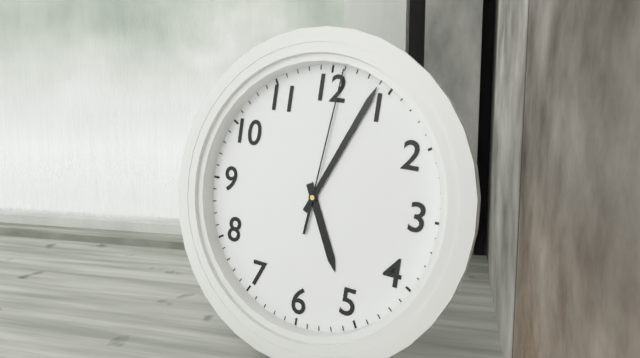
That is 5,04,01
